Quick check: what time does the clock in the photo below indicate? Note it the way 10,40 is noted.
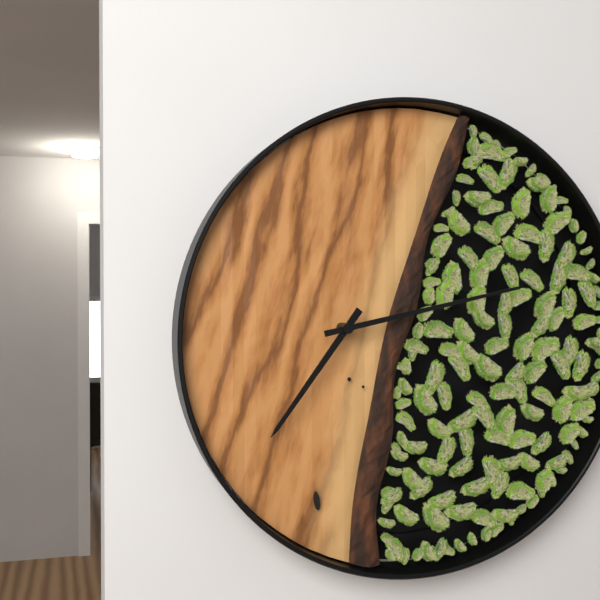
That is 7,13
